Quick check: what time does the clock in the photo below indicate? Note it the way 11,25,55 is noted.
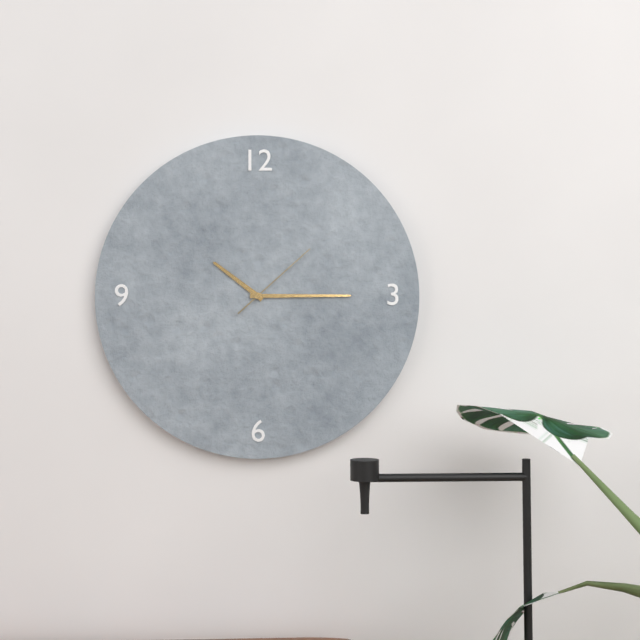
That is 10,15,08
